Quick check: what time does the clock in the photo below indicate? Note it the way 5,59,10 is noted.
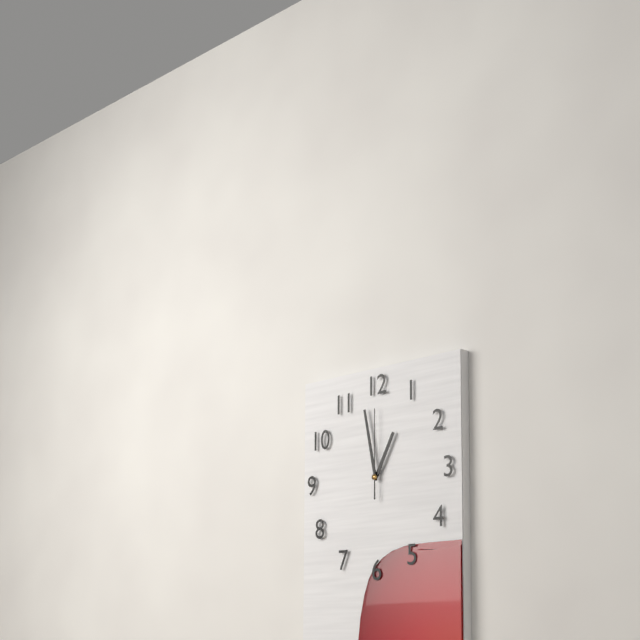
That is 12,58,00
